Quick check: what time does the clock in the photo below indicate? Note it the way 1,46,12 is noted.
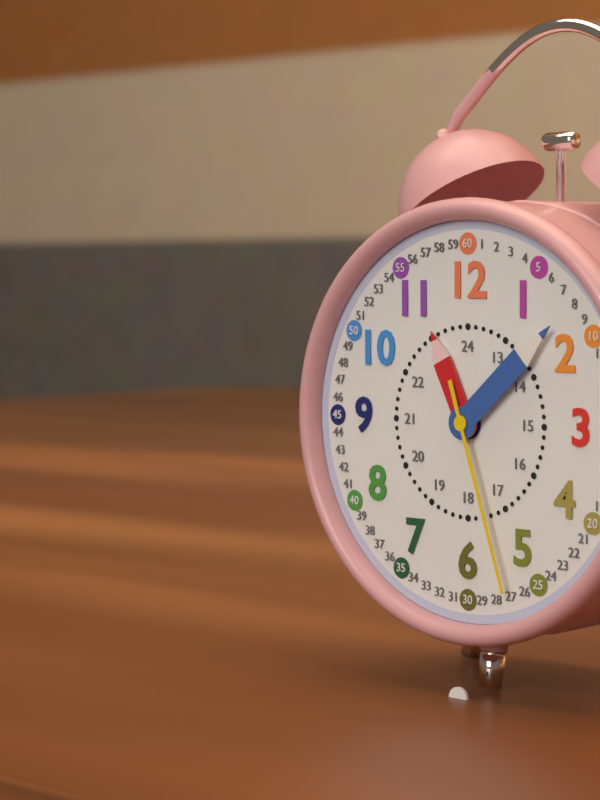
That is 11,08,27
